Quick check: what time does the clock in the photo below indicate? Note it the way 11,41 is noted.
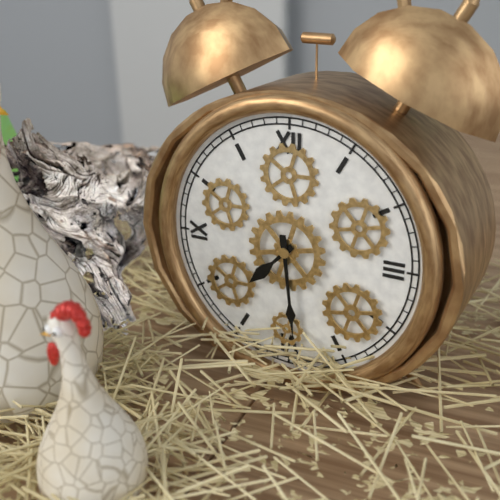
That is 7,29
